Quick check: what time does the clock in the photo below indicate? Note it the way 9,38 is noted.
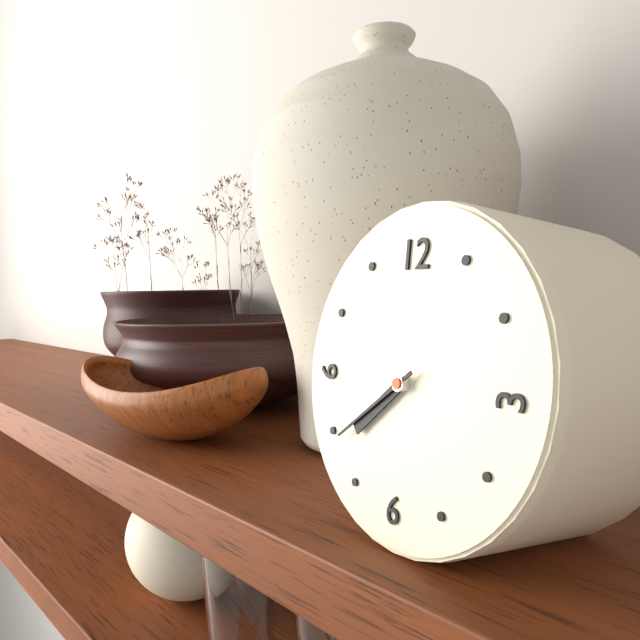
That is 7,39
